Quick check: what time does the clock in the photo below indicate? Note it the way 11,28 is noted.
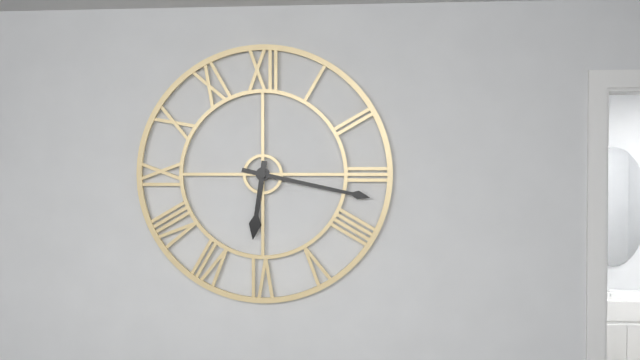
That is 6,17
